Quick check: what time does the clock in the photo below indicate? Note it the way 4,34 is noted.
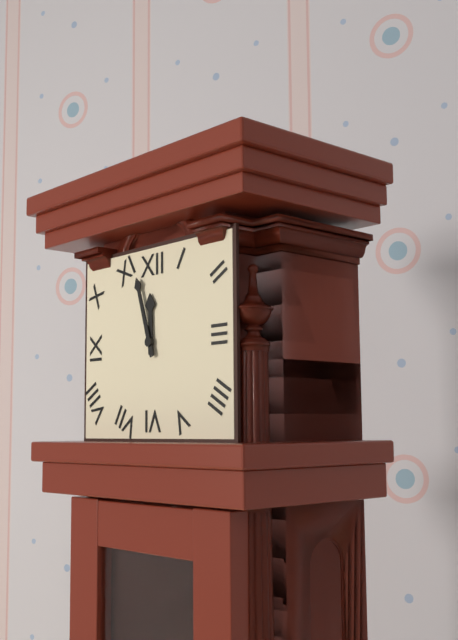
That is 11,57
